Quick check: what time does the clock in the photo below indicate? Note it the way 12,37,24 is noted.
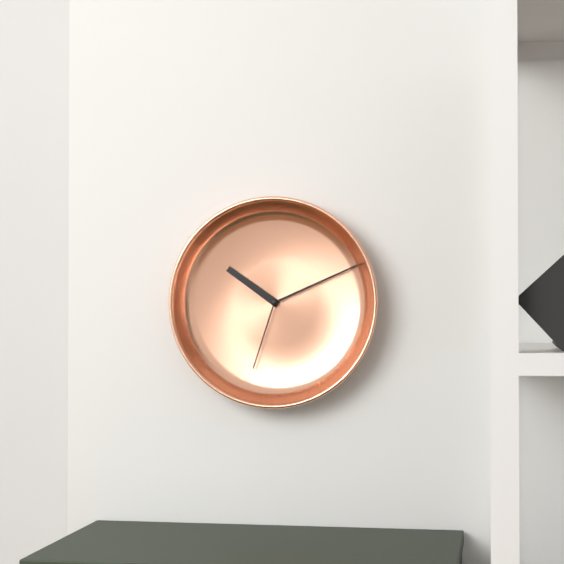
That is 10,11,33
